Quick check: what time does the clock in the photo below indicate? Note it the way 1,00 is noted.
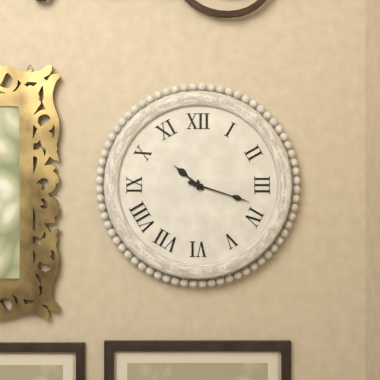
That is 10,18
